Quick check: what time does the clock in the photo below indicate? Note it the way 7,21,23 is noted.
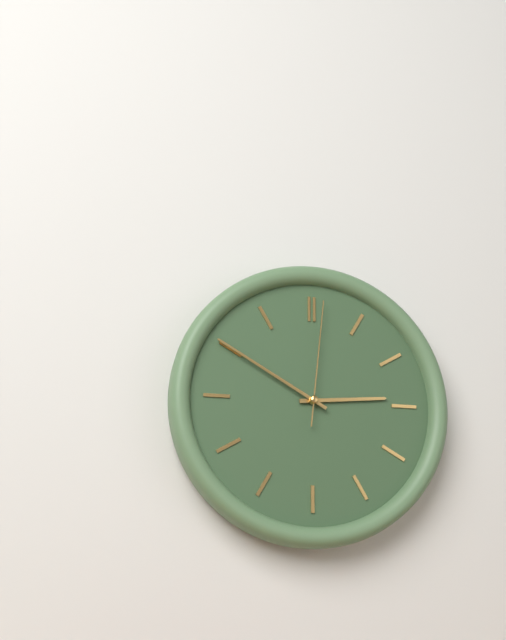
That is 2,50,01
